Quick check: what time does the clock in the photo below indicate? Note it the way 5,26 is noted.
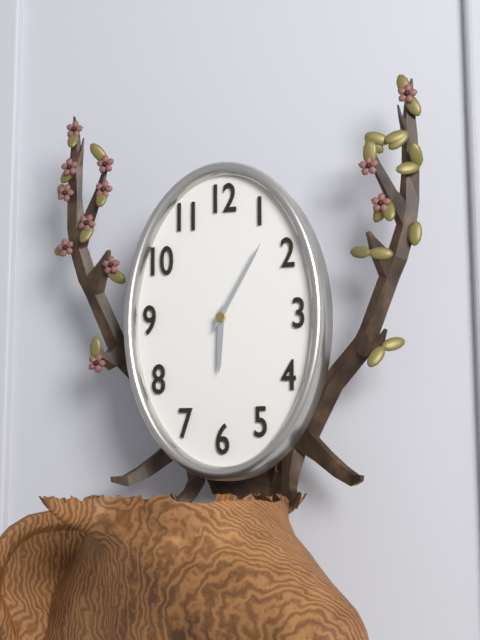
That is 6,05
